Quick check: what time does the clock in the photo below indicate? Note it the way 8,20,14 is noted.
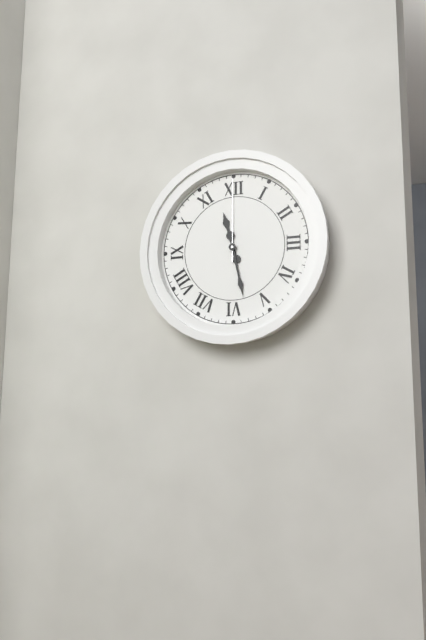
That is 11,28,00
